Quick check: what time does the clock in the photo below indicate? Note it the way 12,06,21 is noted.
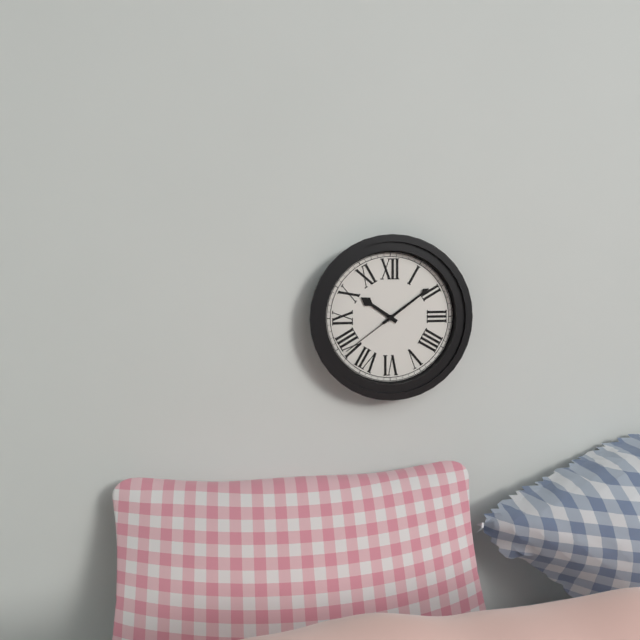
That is 10,09,39
